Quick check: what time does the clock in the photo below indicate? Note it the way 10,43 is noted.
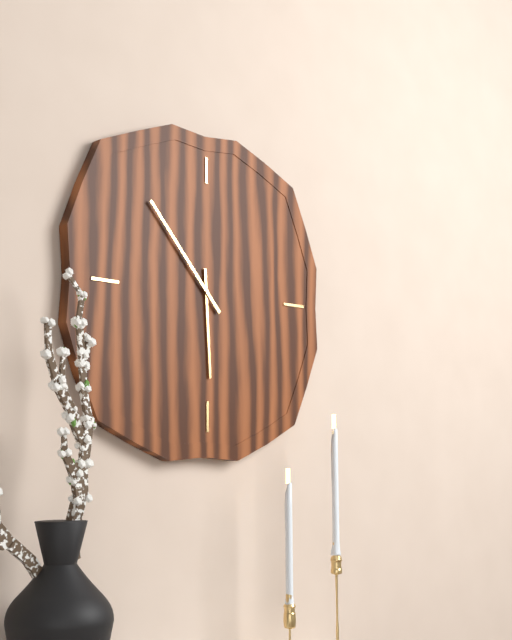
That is 5,53
